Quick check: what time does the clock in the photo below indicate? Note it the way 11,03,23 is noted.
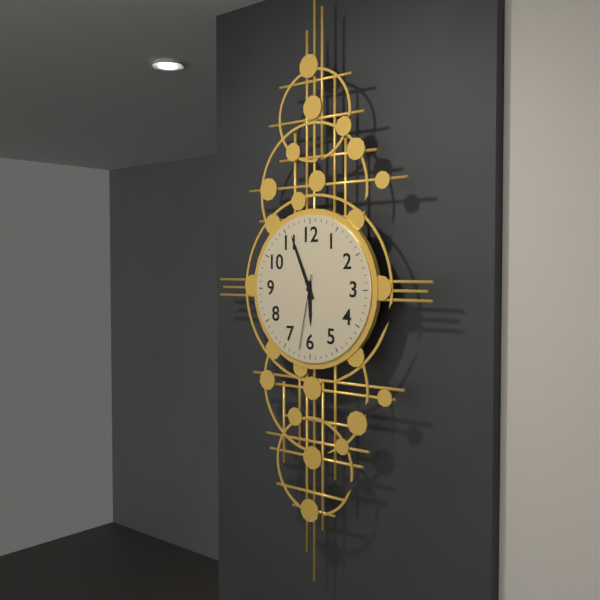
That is 5,56,32
